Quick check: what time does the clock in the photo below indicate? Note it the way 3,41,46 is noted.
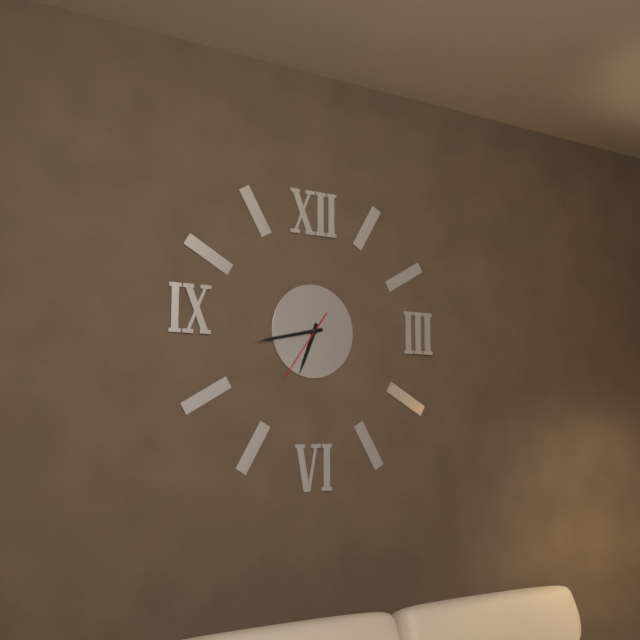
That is 6,43,36
